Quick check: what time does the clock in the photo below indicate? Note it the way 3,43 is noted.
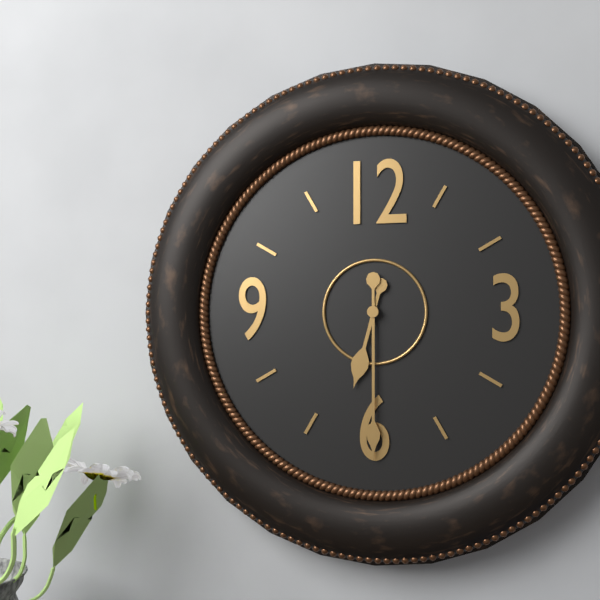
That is 6,30
